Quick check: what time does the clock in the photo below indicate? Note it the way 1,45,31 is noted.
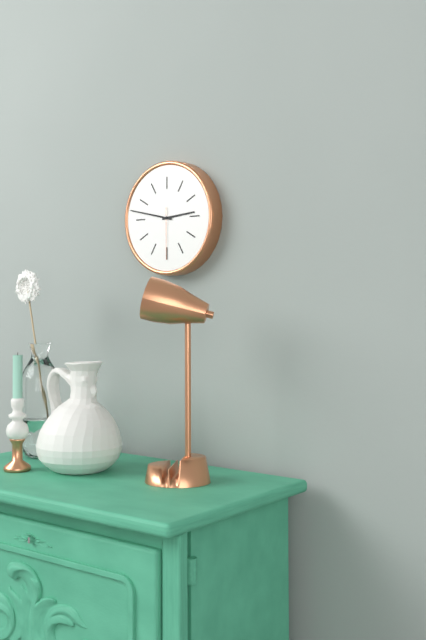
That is 2,47,30
